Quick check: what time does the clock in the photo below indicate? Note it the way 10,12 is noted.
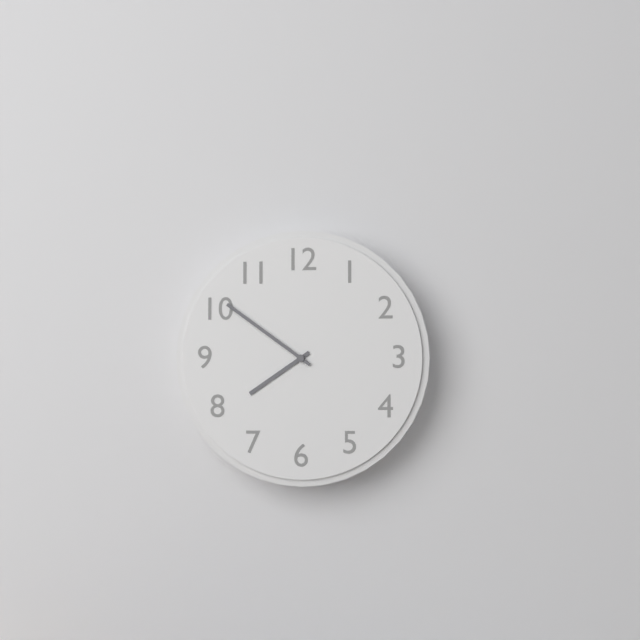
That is 7,51
